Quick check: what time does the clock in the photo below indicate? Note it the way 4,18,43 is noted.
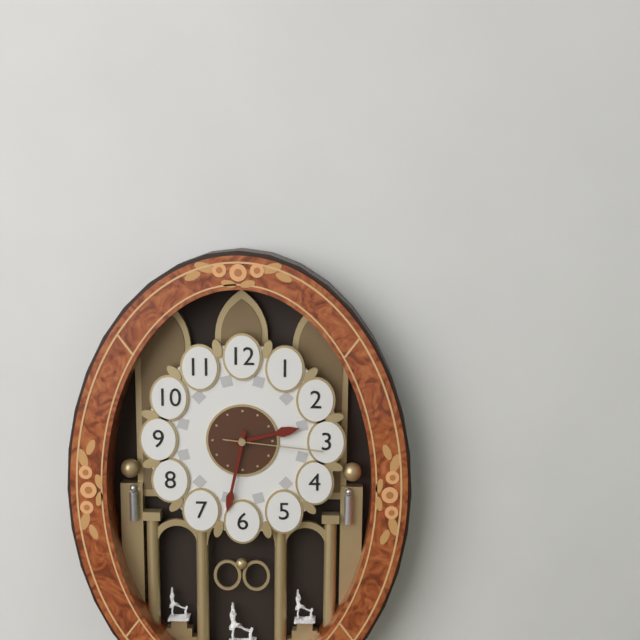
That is 2,32,16
